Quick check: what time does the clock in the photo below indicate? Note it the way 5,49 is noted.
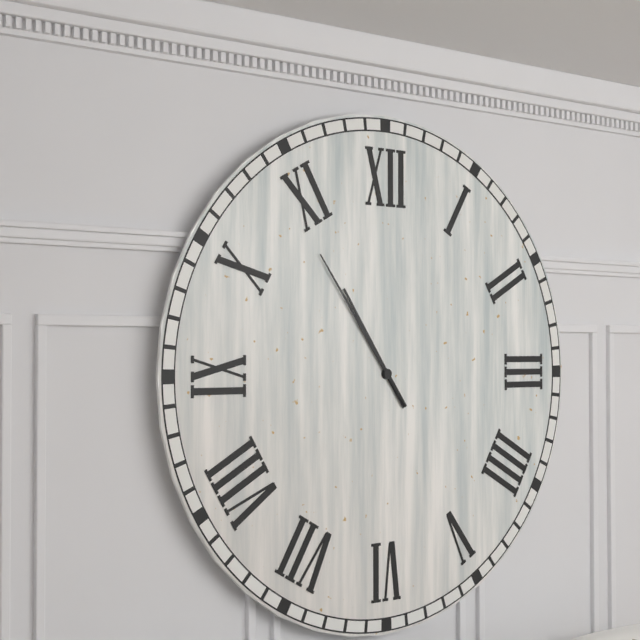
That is 10,54
